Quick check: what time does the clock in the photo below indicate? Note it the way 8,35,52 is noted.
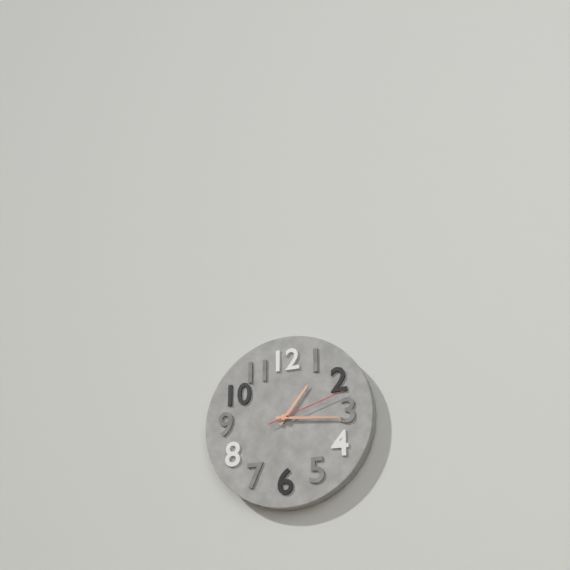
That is 1,16,12
